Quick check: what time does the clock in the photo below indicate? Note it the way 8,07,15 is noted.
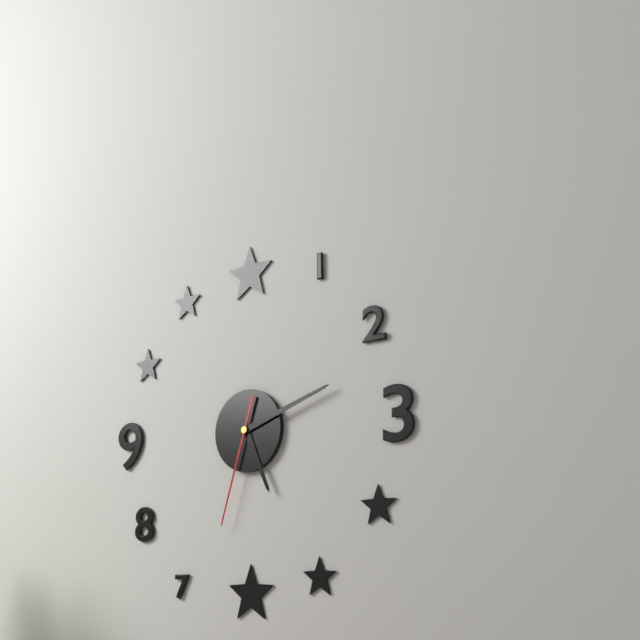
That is 5,12,33
